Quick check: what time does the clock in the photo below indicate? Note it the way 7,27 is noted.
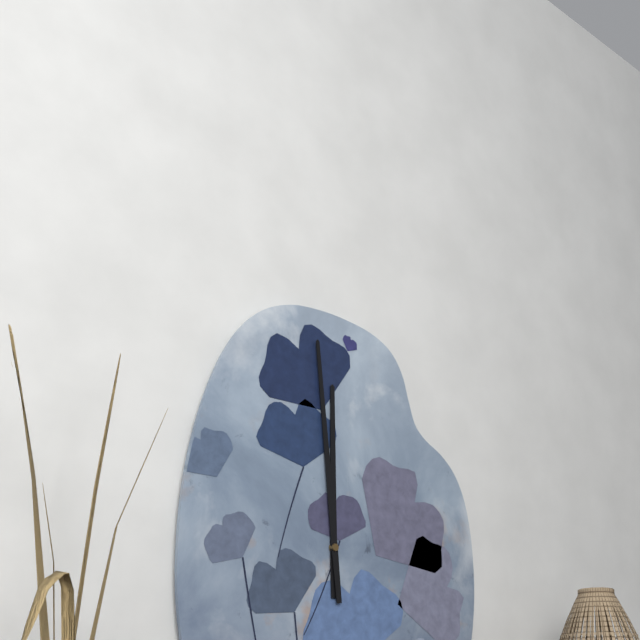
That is 11,59
